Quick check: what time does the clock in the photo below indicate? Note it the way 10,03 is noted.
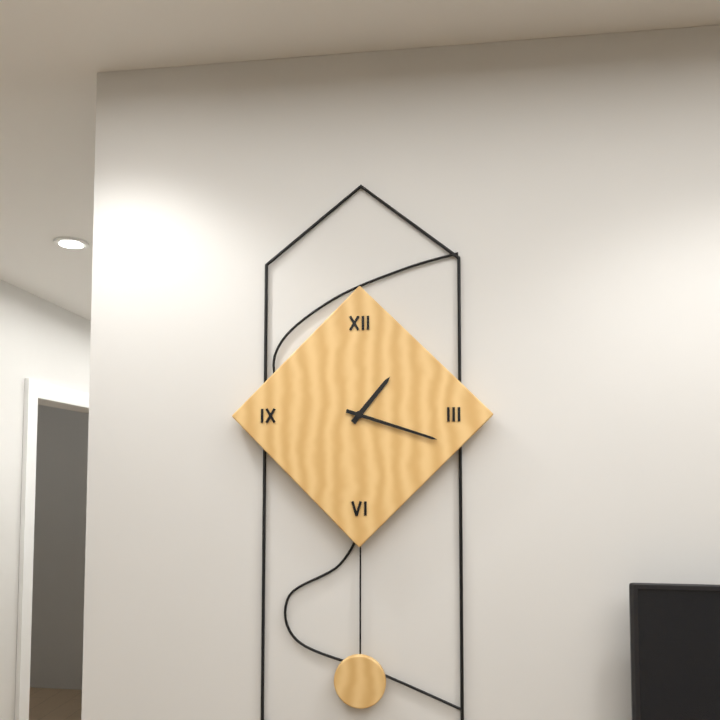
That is 1,18
